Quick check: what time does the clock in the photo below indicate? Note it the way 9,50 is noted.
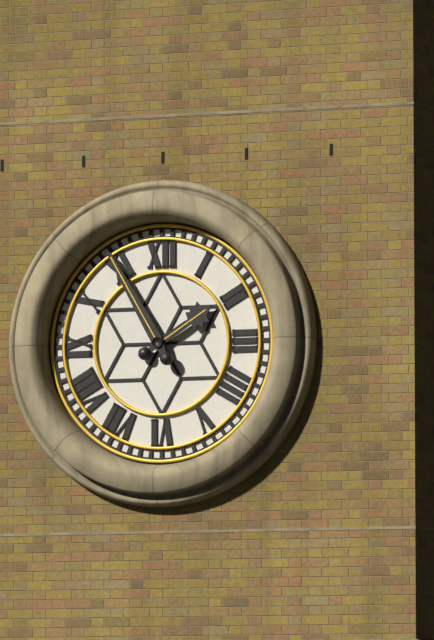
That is 1,55
